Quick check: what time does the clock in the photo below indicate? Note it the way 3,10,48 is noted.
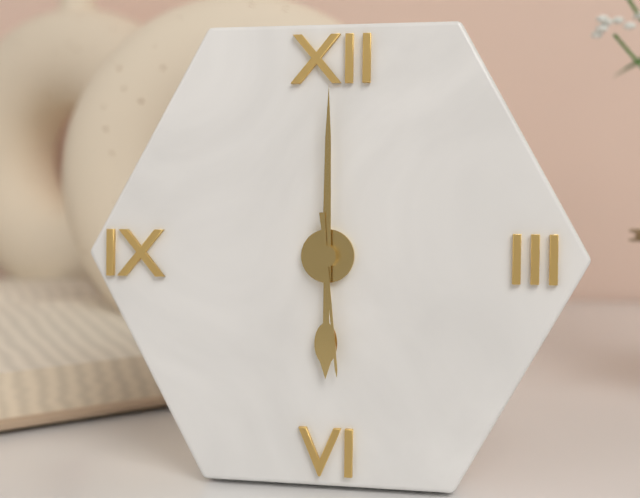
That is 6,00,29
